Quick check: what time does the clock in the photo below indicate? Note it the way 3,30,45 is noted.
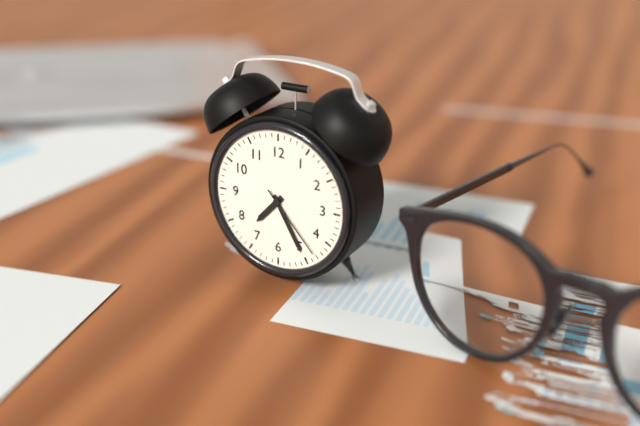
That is 7,25,23
